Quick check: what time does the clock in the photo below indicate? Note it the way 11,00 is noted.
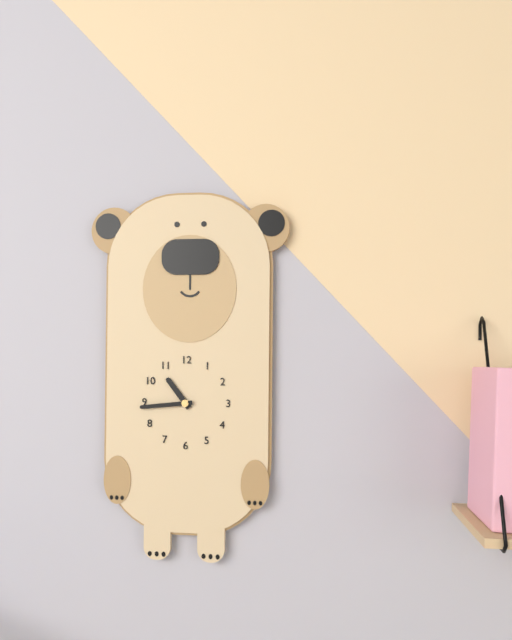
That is 10,44
